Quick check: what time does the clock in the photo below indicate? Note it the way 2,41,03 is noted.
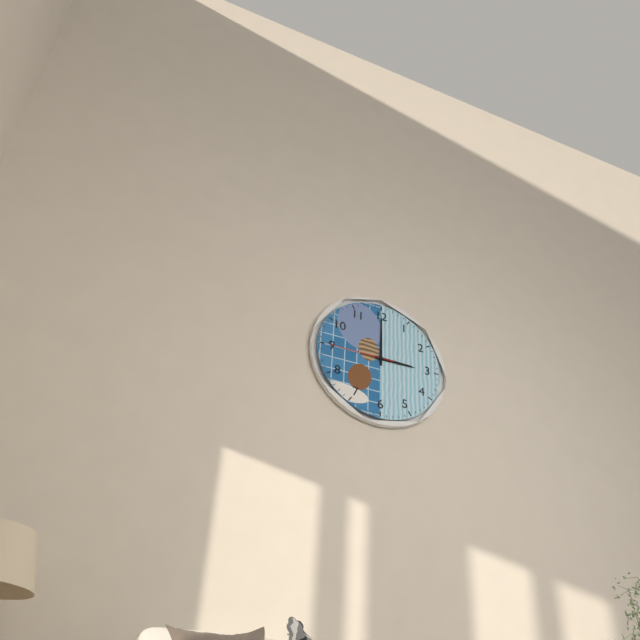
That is 3,00,45
